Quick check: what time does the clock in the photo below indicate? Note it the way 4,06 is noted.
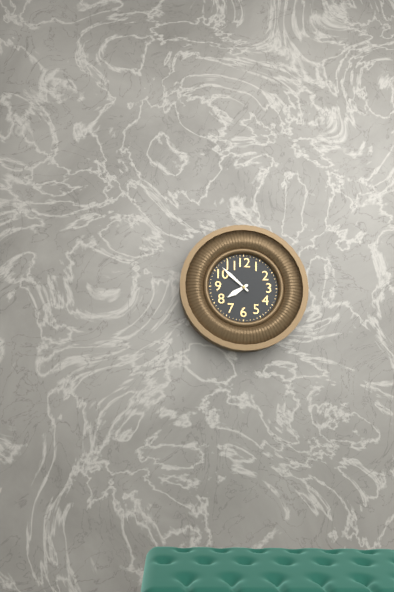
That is 7,52
